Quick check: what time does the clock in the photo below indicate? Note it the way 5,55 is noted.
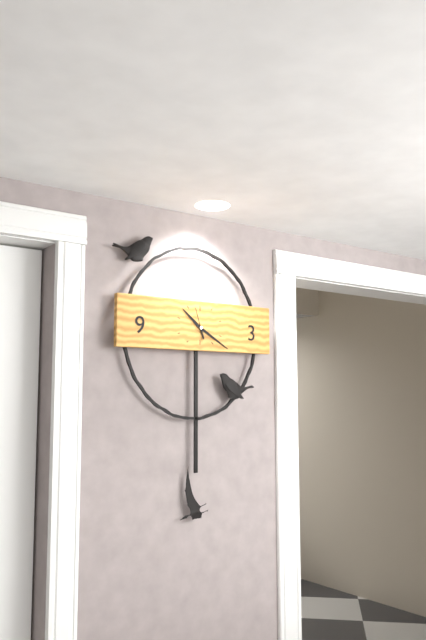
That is 10,20
